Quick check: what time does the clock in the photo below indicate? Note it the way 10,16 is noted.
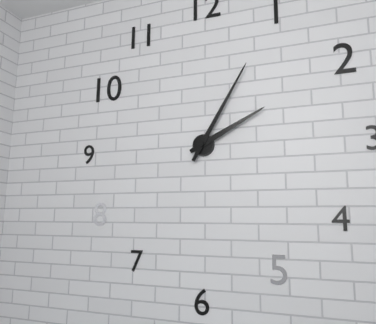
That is 2,05
